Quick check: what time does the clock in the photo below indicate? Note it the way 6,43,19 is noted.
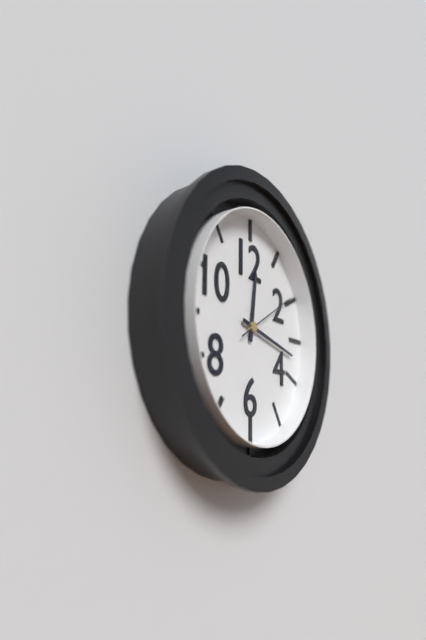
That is 12,17,10
